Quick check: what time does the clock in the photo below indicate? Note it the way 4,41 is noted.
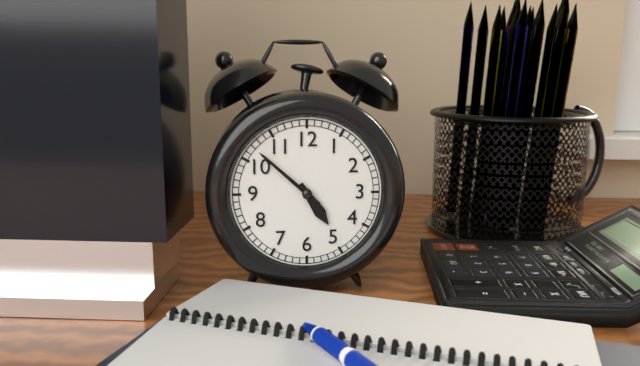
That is 4,52
